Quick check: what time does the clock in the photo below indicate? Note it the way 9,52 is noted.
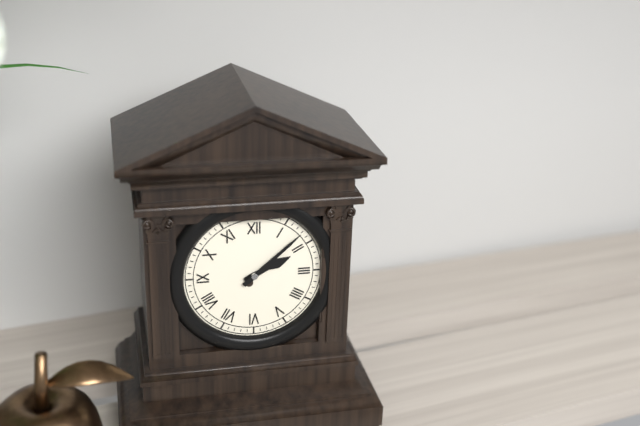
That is 2,08
